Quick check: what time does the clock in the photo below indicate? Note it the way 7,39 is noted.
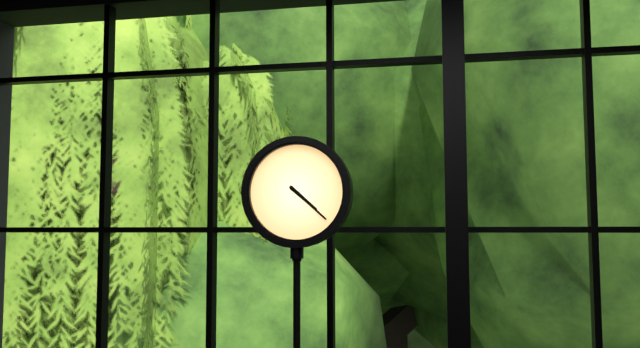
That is 4,22
